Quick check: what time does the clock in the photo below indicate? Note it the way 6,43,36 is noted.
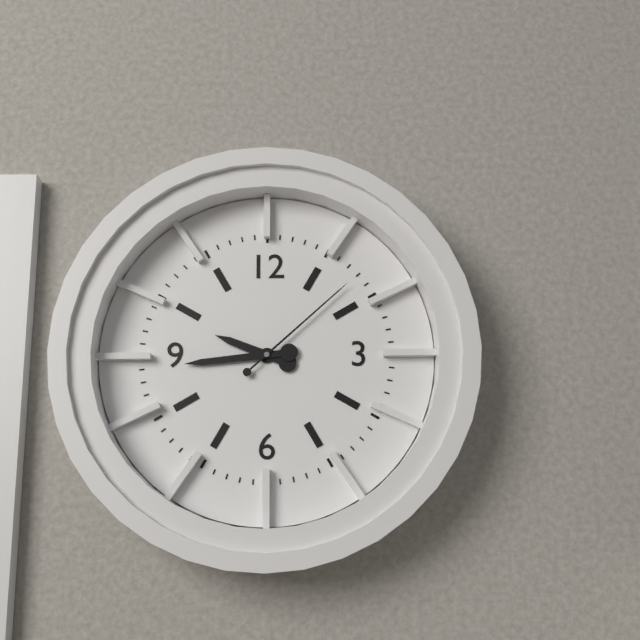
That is 9,44,08
